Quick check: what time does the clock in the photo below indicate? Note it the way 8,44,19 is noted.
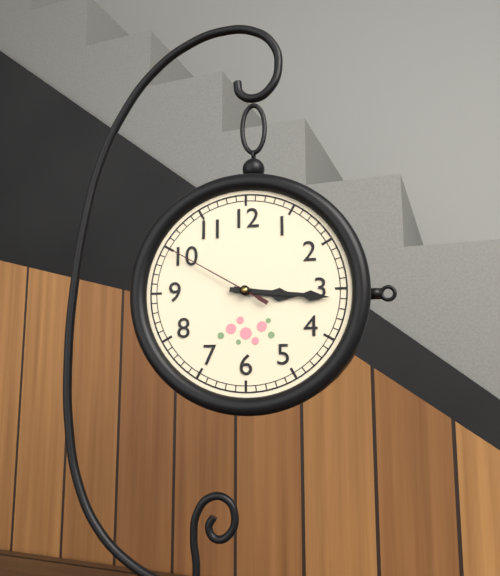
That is 3,16,50
